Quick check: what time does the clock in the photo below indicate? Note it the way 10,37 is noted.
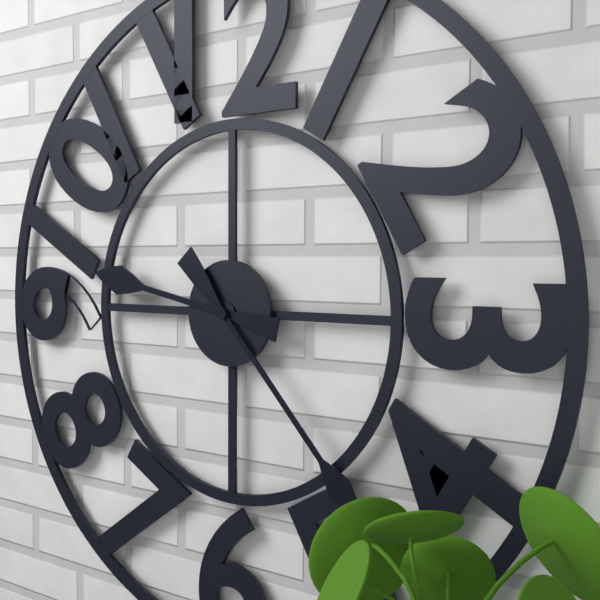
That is 9,23
